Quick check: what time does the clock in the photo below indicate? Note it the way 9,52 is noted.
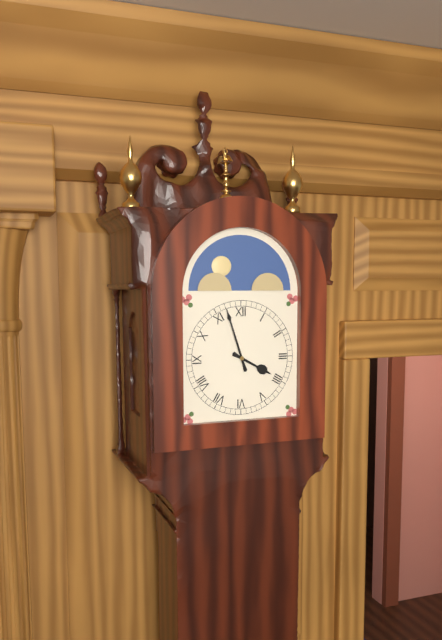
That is 3,57
